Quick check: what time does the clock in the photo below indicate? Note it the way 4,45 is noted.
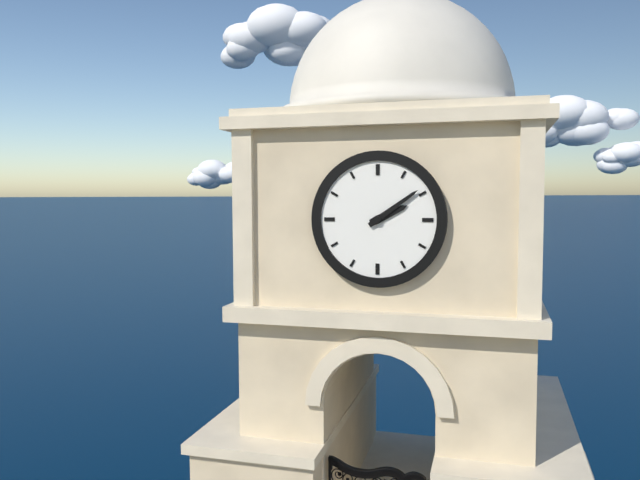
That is 2,09
